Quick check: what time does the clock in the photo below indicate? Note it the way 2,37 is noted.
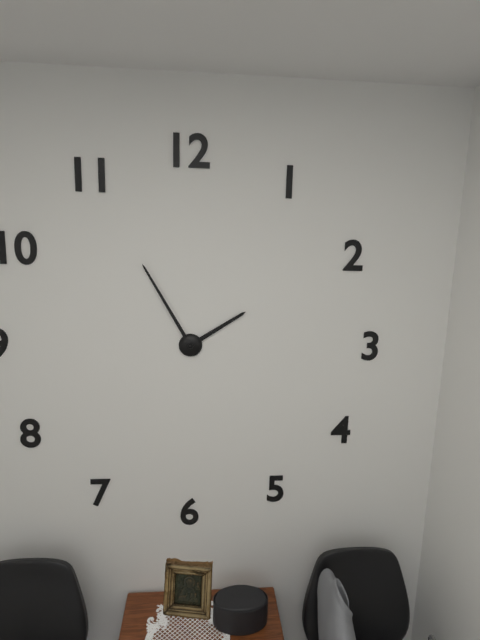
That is 1,55
